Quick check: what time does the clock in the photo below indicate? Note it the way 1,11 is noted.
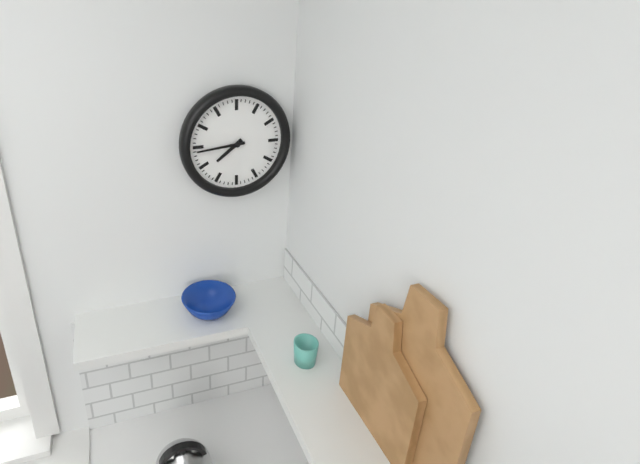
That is 7,44
